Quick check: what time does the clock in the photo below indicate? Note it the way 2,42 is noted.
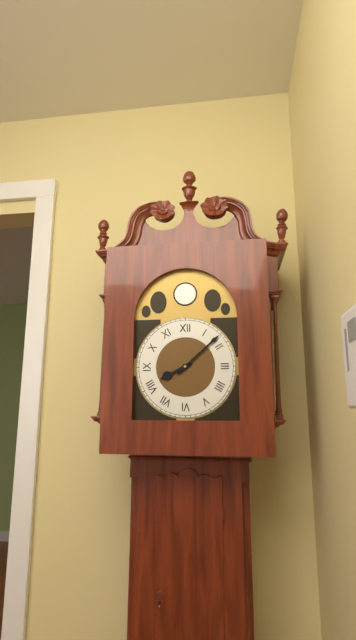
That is 8,08
